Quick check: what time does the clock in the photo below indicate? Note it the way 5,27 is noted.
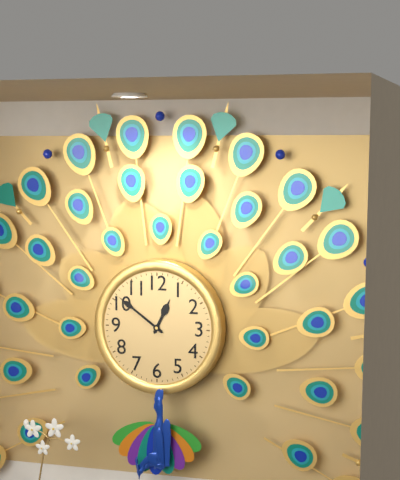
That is 12,51
